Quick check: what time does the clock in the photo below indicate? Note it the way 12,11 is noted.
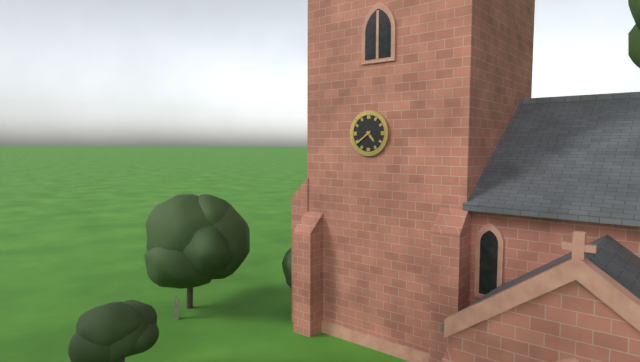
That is 4,39
